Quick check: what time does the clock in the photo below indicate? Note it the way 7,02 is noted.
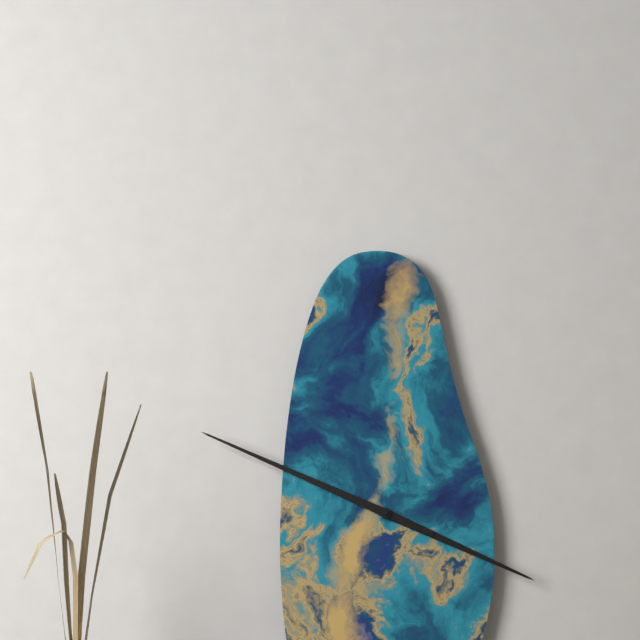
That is 3,49
